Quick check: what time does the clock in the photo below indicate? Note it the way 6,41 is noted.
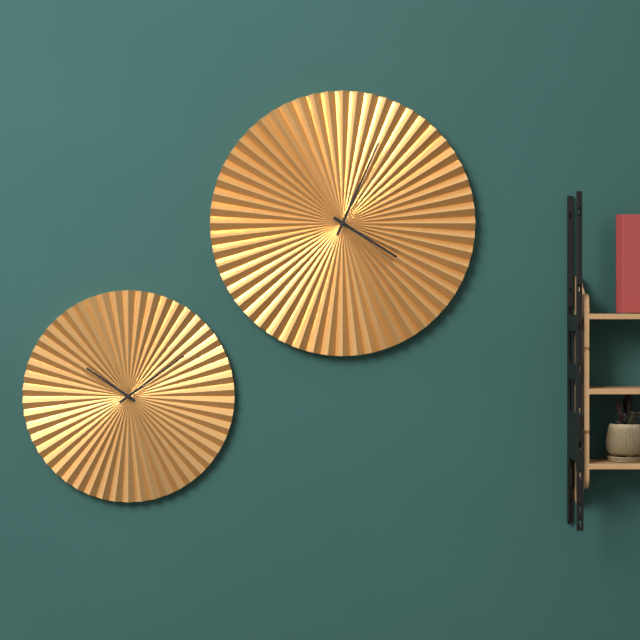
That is 4,04
